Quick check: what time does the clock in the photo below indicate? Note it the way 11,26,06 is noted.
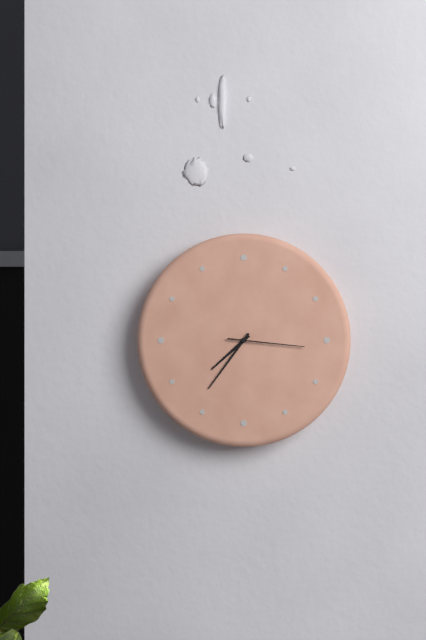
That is 7,36,16
